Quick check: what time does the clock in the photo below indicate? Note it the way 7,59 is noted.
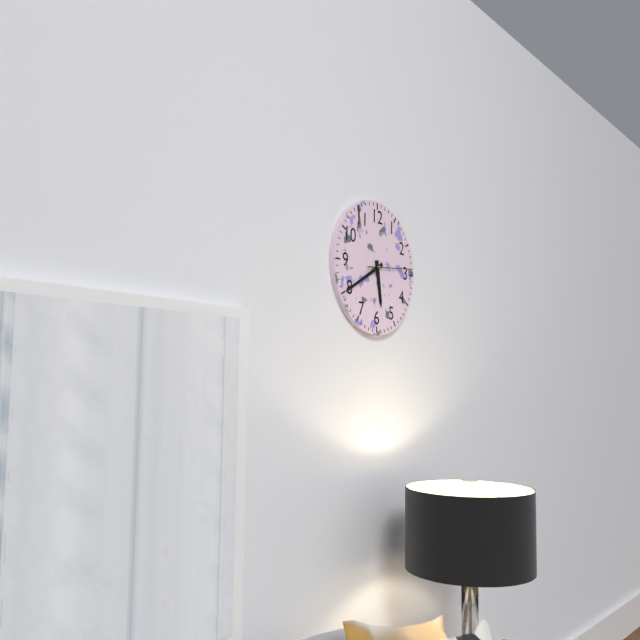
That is 5,40
